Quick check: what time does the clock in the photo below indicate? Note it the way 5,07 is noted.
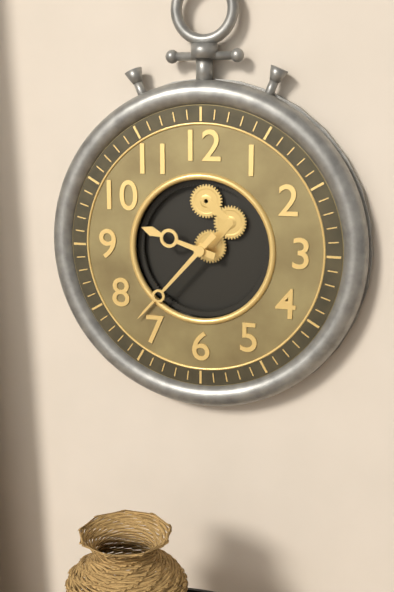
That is 9,37
